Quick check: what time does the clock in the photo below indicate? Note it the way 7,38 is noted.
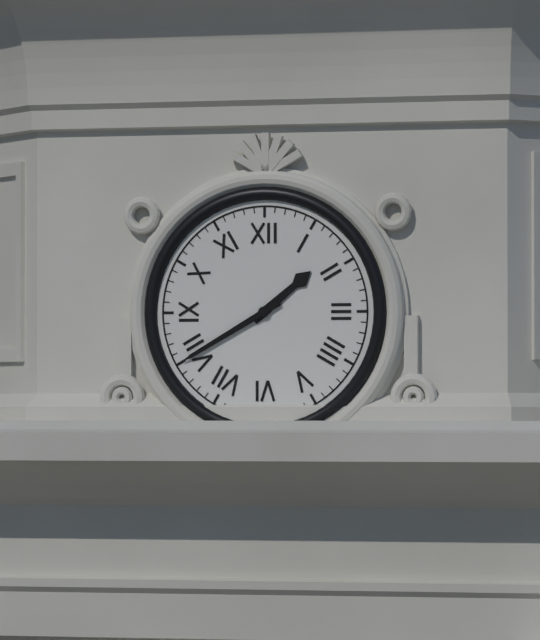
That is 1,40
